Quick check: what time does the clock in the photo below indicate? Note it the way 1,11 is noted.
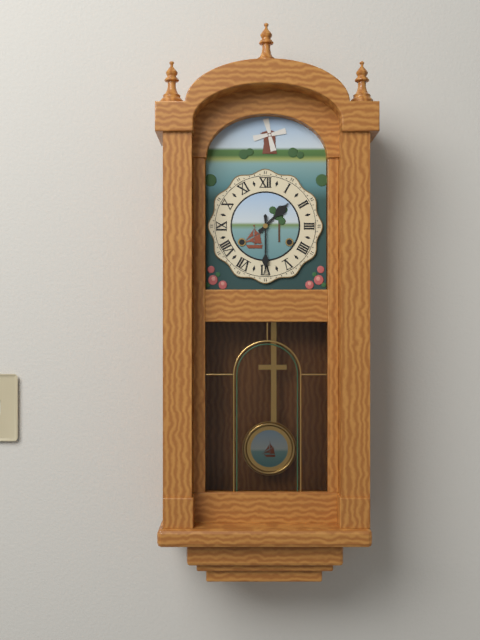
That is 1,30
